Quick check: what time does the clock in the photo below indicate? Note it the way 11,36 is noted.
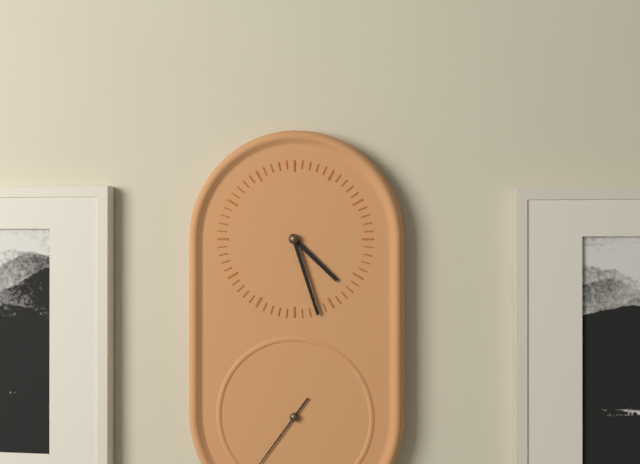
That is 4,27
